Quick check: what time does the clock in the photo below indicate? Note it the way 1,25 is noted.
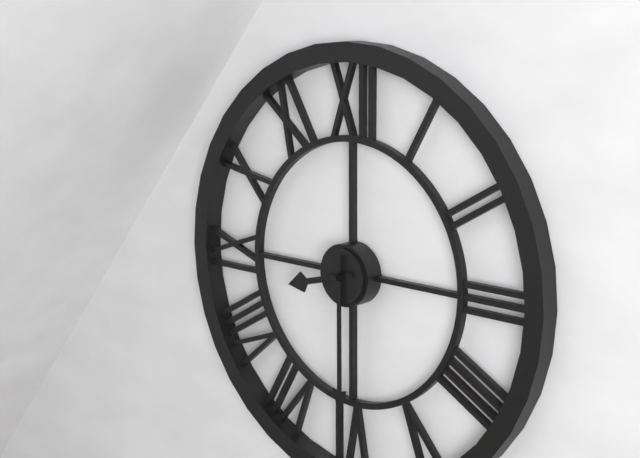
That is 8,30
